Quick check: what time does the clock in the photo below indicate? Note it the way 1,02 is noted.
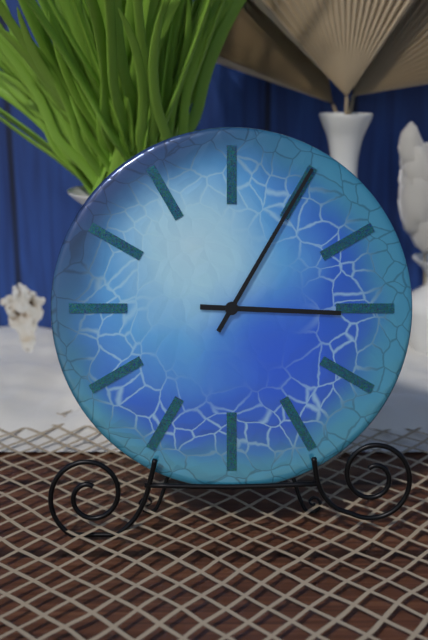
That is 3,05
